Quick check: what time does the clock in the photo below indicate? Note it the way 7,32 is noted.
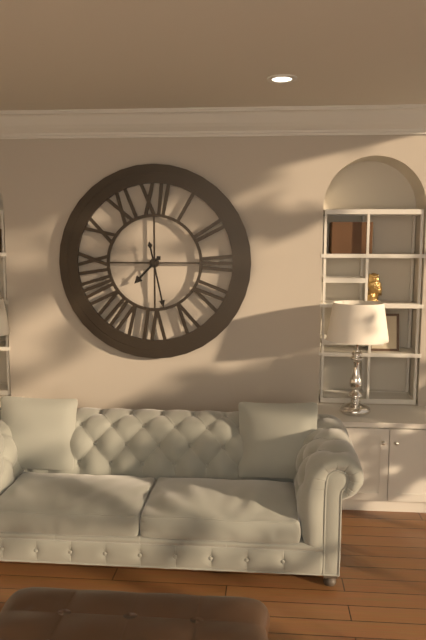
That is 7,28
